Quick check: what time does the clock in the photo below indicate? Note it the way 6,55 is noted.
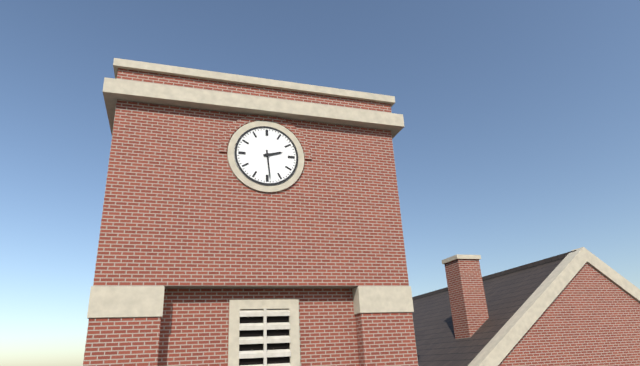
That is 2,29
